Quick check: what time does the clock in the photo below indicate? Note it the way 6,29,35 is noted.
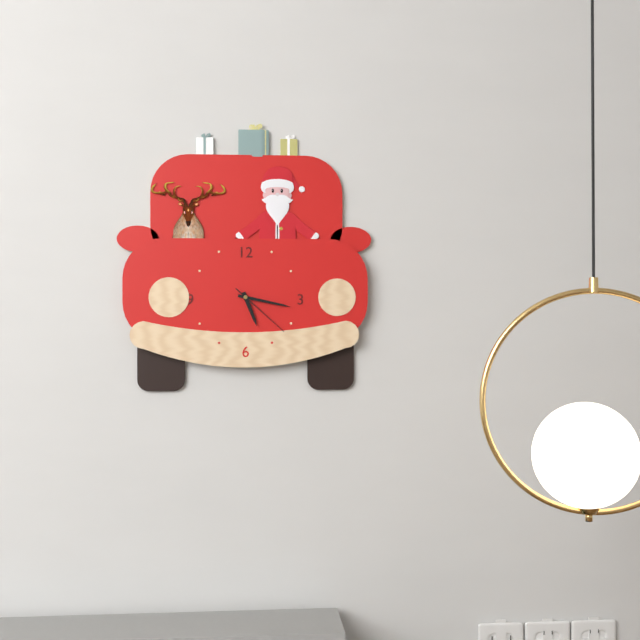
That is 5,17,22
